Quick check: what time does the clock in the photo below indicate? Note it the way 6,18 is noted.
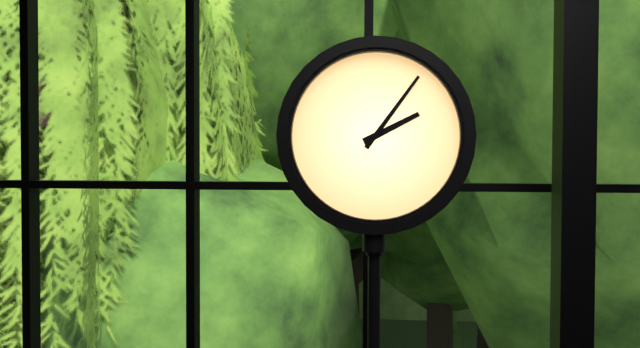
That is 2,06
